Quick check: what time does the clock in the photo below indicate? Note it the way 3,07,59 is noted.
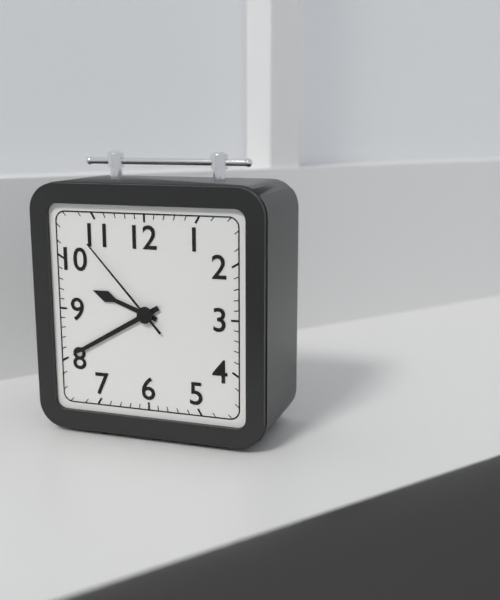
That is 9,40,53
